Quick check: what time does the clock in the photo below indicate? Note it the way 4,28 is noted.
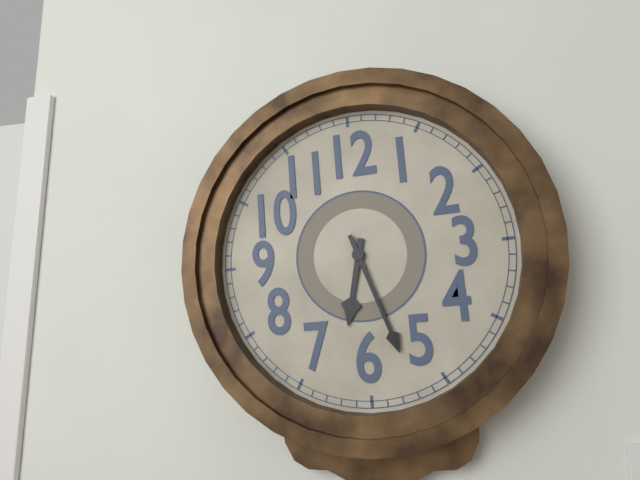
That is 6,27
